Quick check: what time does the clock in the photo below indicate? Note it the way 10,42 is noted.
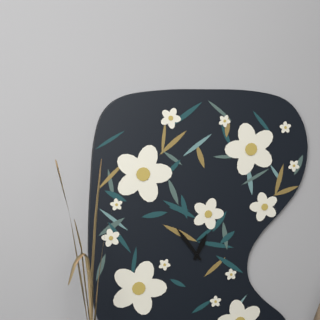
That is 12,54
